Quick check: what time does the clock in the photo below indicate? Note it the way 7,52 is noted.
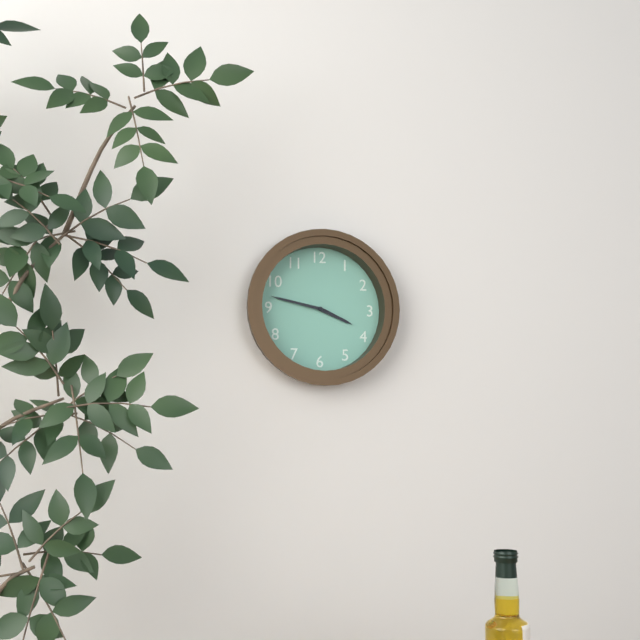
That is 3,47
